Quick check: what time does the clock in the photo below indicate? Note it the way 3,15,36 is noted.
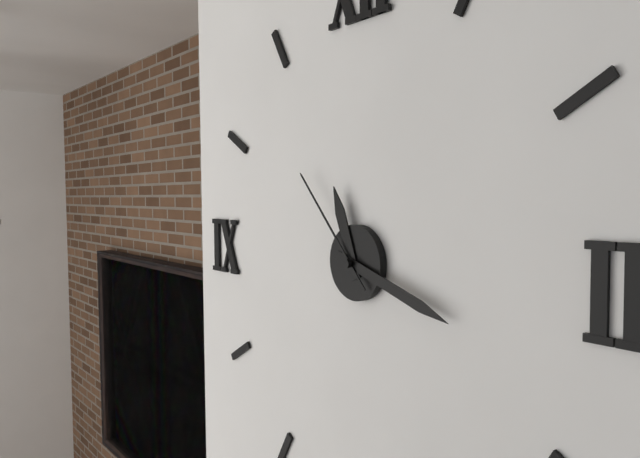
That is 11,18,53
